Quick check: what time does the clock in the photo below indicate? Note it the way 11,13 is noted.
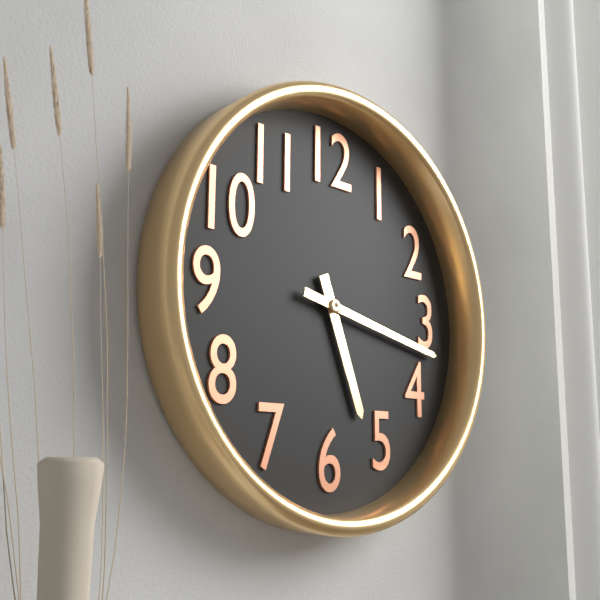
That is 5,17
